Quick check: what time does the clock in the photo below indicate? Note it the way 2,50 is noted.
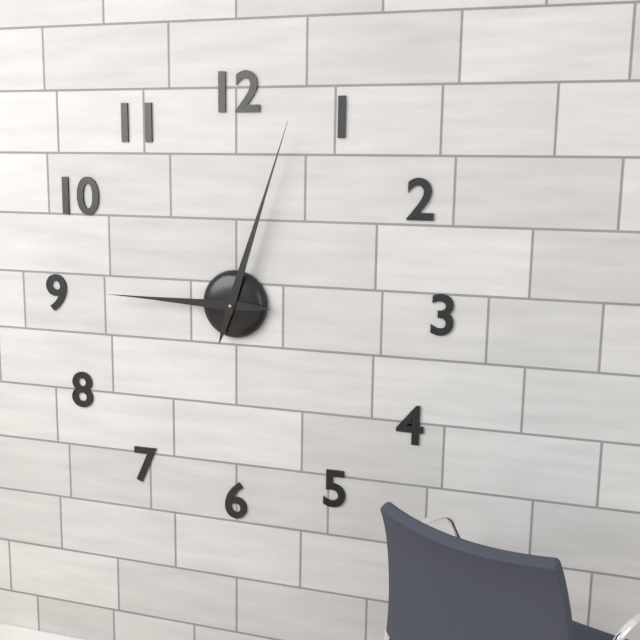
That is 9,03
